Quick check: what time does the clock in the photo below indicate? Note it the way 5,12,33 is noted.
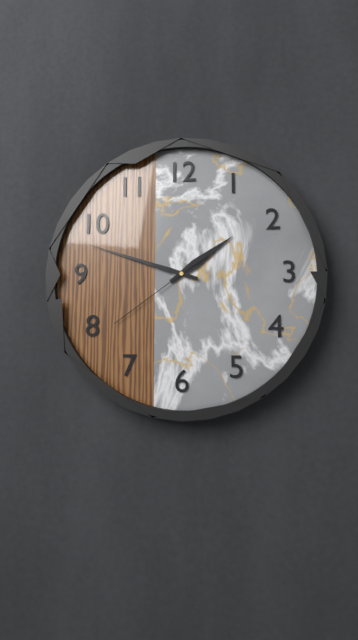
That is 1,48,39
